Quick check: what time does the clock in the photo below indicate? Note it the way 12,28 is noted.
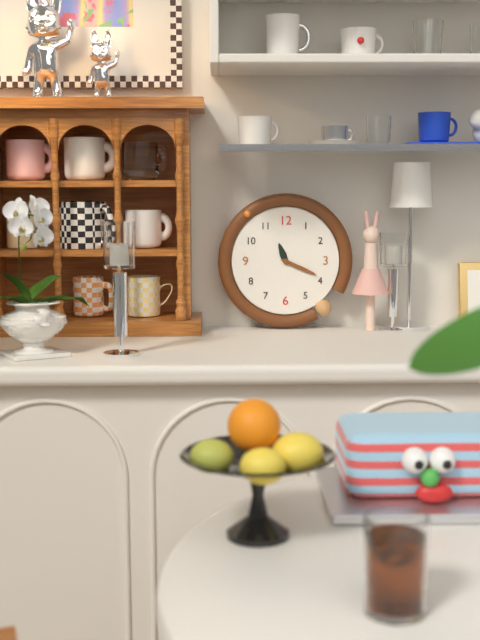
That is 11,19
